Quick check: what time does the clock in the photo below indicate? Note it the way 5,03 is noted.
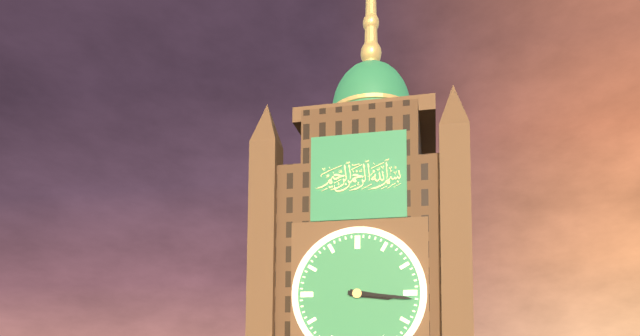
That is 3,16
